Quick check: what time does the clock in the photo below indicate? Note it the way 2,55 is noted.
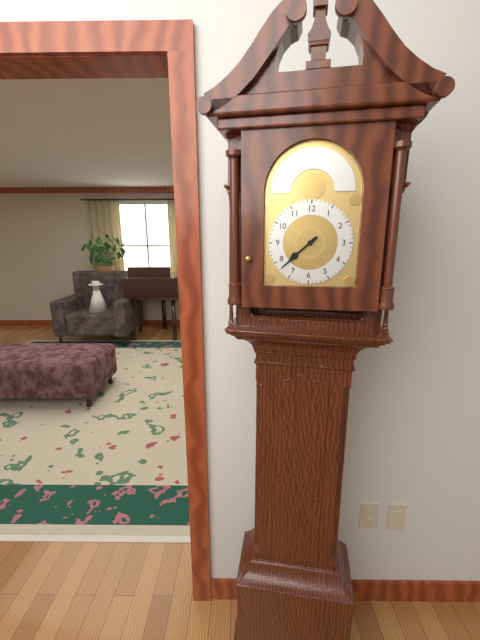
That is 7,38
